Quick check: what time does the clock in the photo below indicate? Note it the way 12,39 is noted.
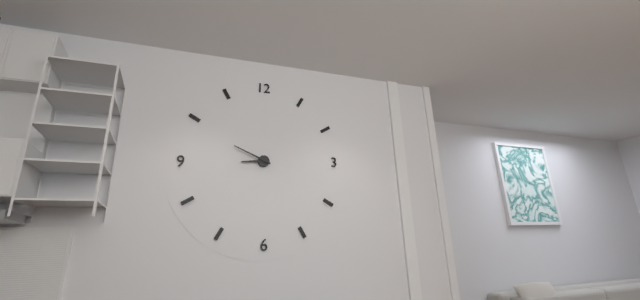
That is 8,49
